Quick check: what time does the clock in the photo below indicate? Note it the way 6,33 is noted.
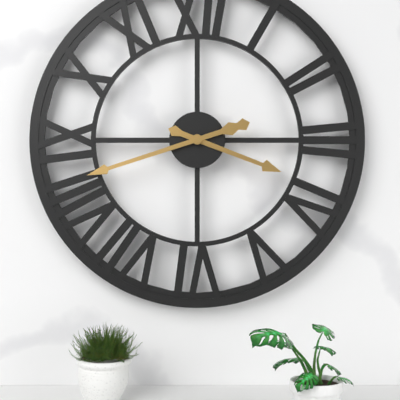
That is 3,42
